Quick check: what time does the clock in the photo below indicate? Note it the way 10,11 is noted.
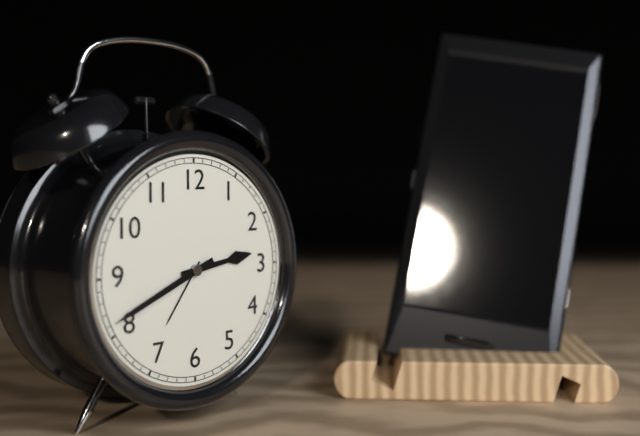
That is 2,41
